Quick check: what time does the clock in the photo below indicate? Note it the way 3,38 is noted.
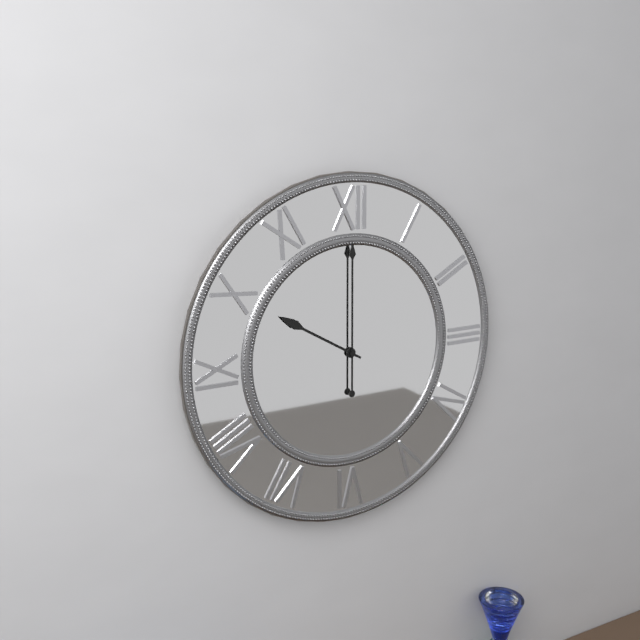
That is 10,00
